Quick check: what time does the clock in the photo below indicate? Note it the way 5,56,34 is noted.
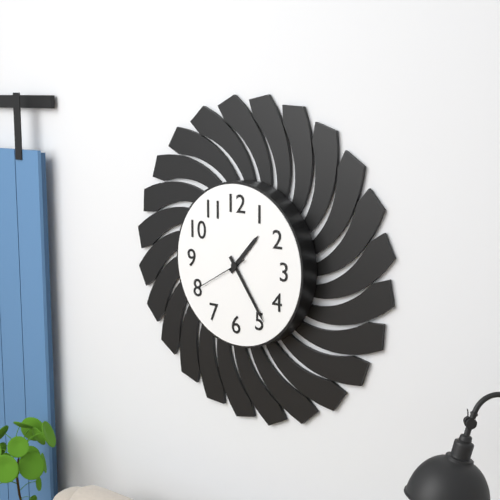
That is 1,24,40
